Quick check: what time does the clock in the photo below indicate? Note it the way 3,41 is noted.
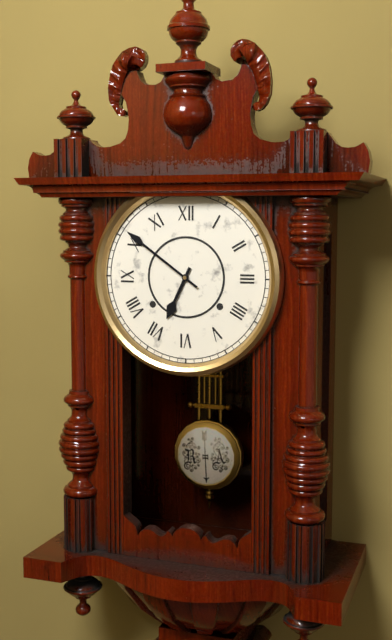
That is 6,51
